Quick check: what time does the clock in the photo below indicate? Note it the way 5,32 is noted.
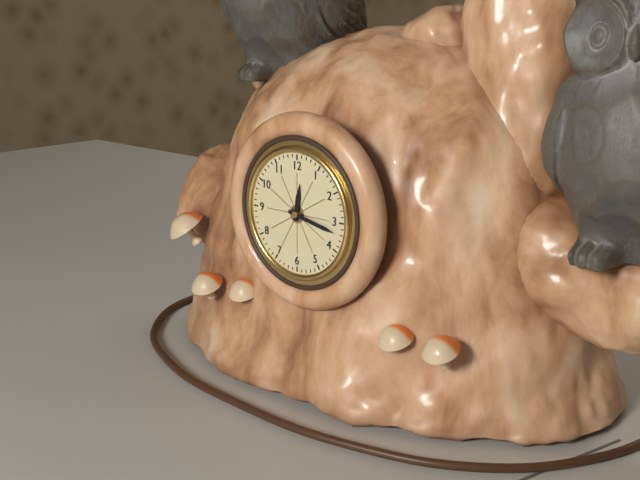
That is 12,17
